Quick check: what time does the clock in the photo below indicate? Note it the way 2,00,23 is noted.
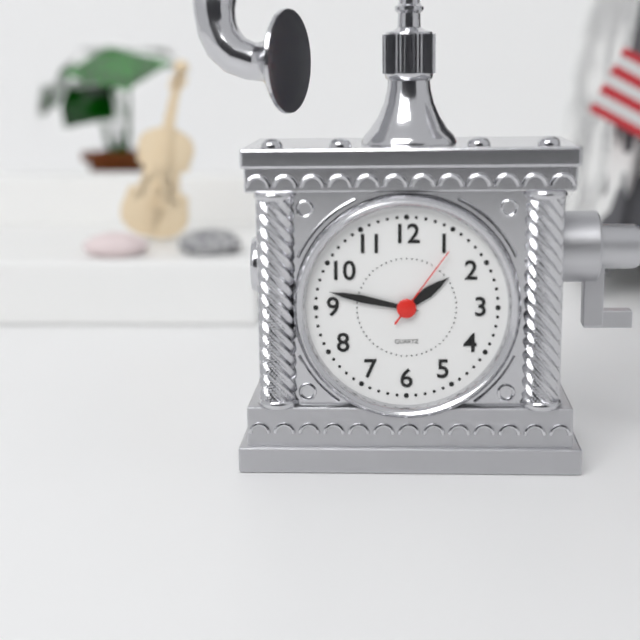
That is 1,47,06
